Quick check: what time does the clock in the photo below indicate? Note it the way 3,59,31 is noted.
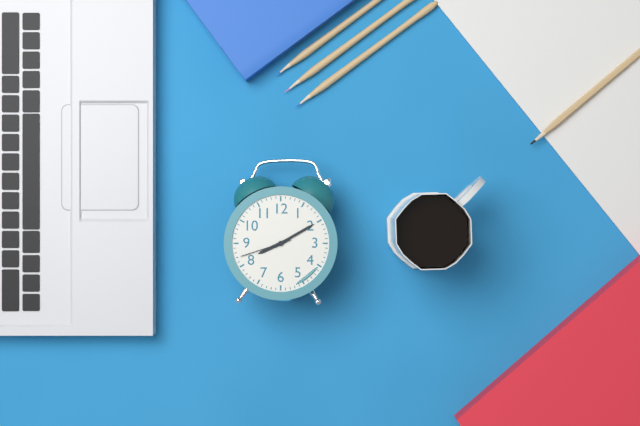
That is 8,10,42
